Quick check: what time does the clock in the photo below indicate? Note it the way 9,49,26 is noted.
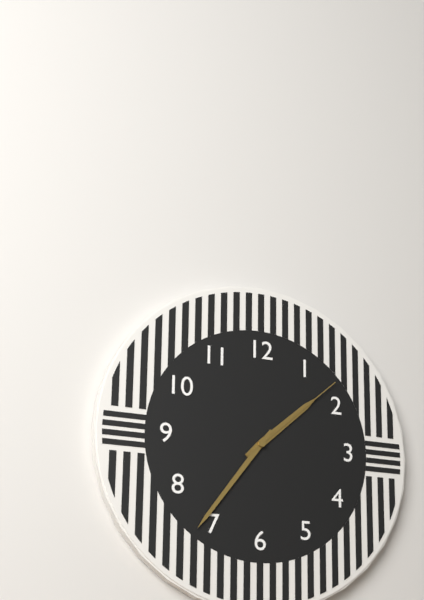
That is 1,36,08
